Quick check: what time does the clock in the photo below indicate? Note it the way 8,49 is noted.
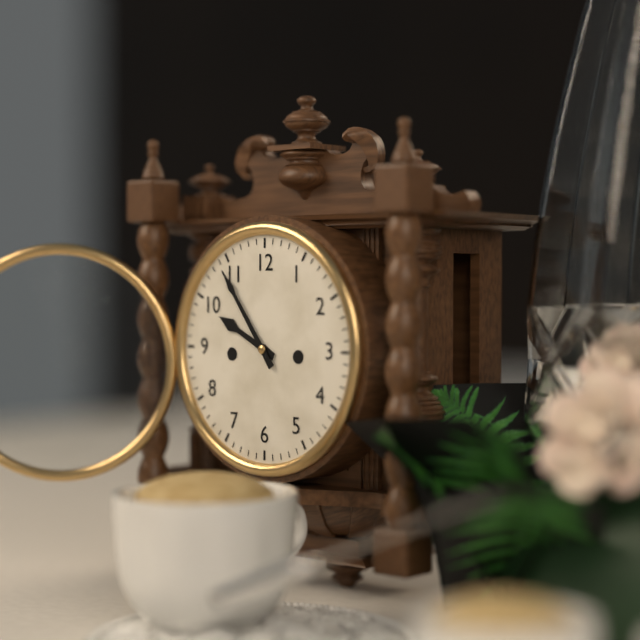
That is 9,54
